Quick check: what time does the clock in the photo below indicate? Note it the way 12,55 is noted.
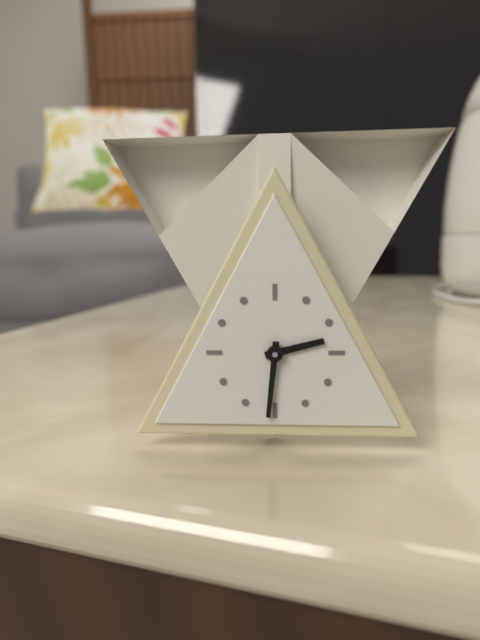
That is 2,31
